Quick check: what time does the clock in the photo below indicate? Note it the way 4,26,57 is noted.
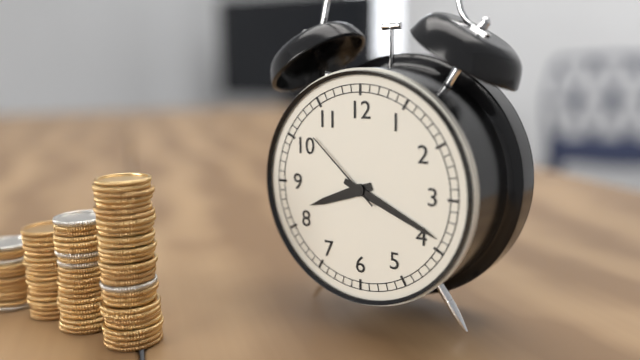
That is 8,19,52
